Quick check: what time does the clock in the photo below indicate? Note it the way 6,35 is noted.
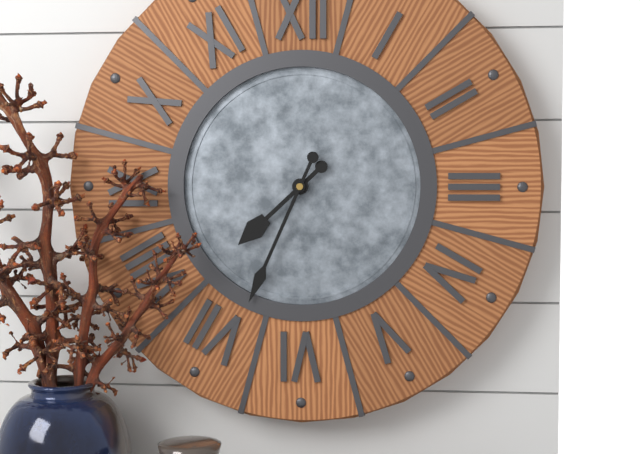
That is 7,34
